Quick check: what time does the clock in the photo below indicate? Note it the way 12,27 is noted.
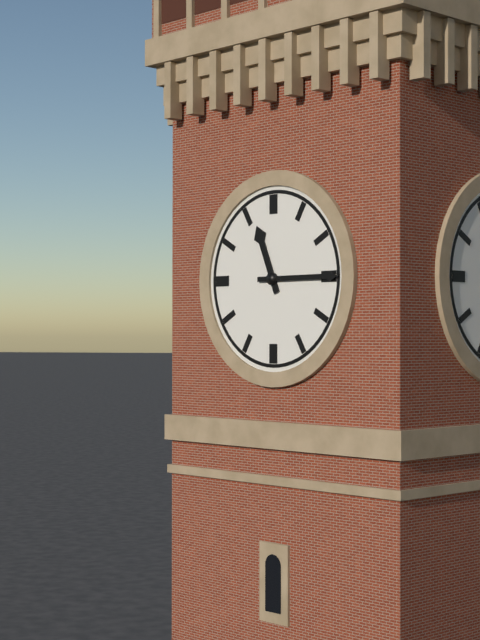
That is 11,15
